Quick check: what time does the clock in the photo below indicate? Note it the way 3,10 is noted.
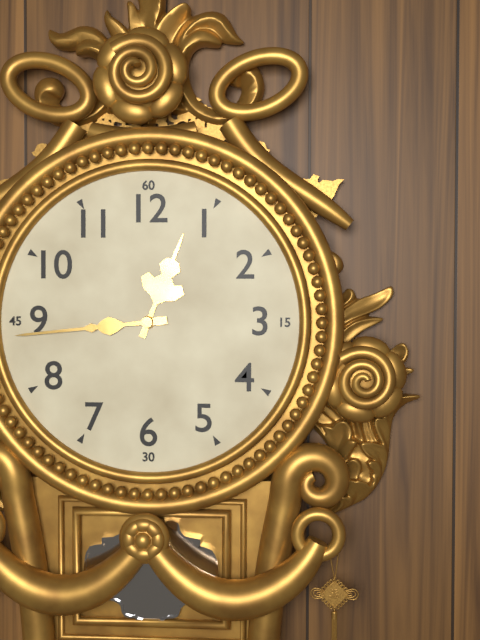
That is 12,44
